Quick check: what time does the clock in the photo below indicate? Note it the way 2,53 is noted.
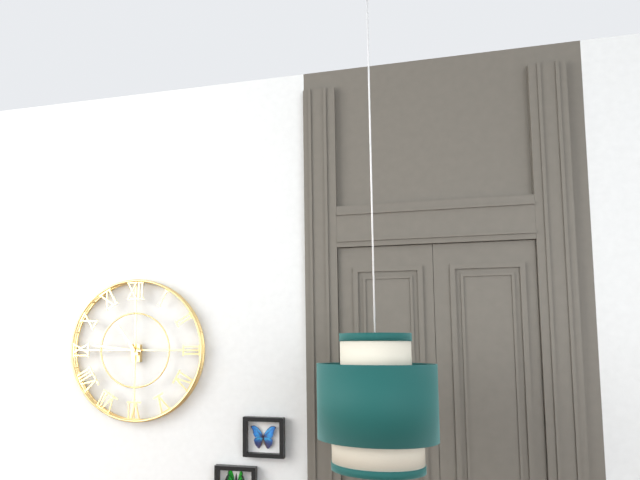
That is 10,46
